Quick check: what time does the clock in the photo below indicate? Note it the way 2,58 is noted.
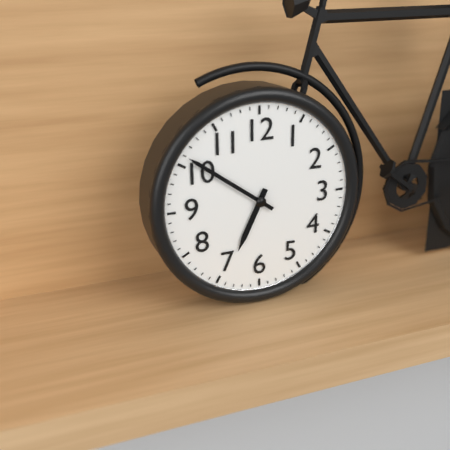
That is 6,51
